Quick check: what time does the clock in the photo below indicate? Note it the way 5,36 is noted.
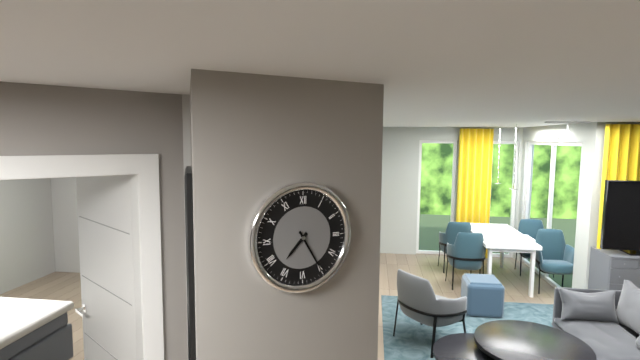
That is 7,25
